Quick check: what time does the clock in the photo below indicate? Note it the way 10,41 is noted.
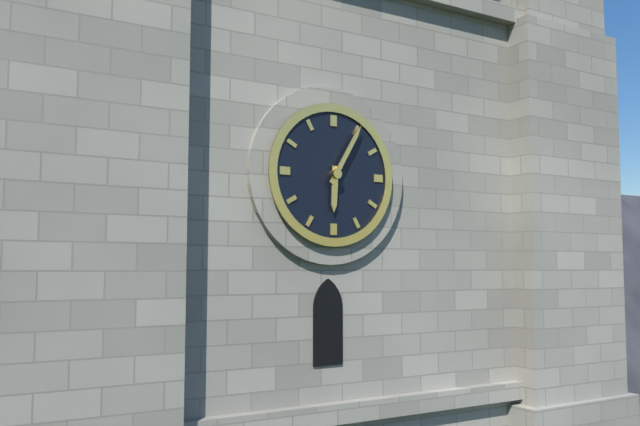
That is 6,05
